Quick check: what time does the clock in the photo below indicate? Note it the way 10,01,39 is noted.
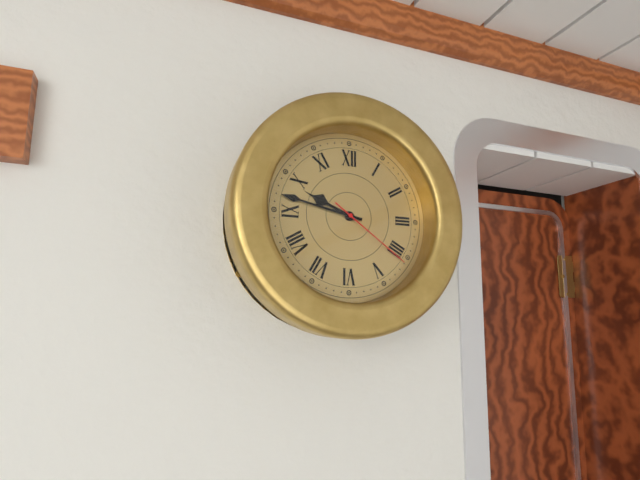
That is 9,47,21
